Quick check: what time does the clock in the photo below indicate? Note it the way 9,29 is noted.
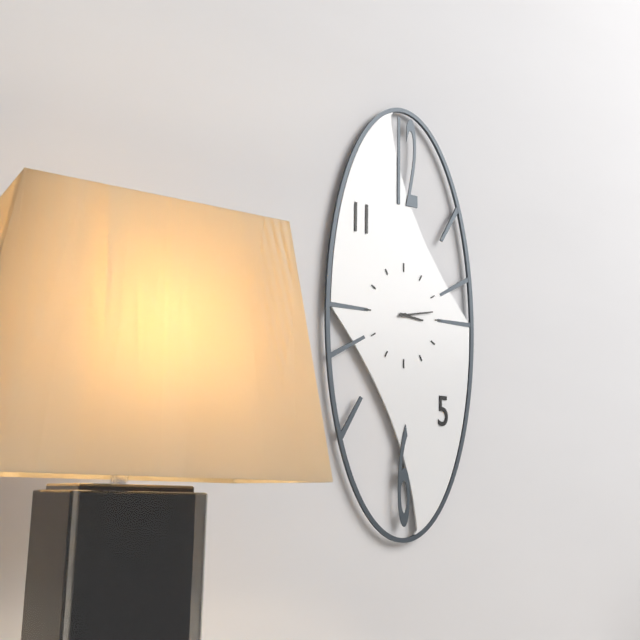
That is 3,13
